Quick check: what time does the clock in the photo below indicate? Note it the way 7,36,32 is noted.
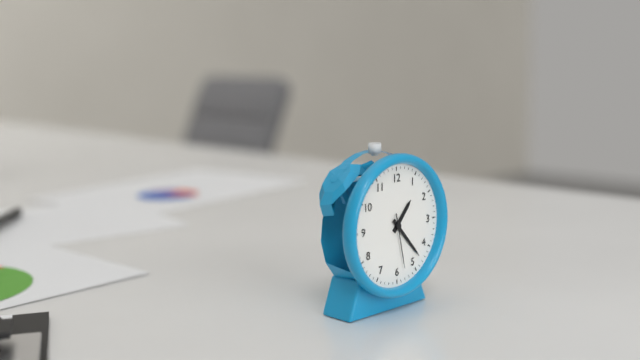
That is 1,23,28
